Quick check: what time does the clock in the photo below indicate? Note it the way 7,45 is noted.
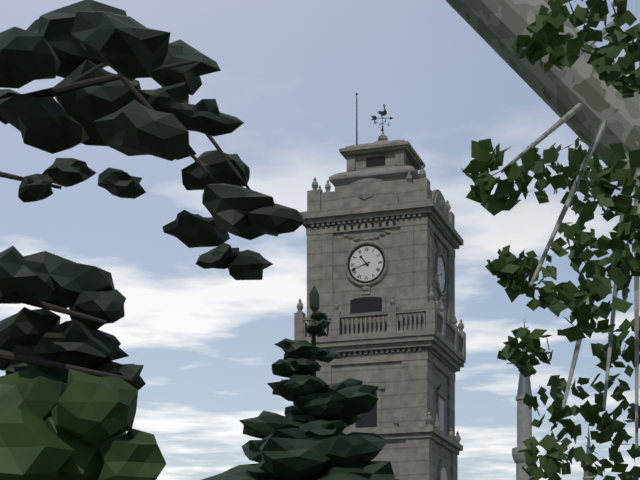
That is 10,42
